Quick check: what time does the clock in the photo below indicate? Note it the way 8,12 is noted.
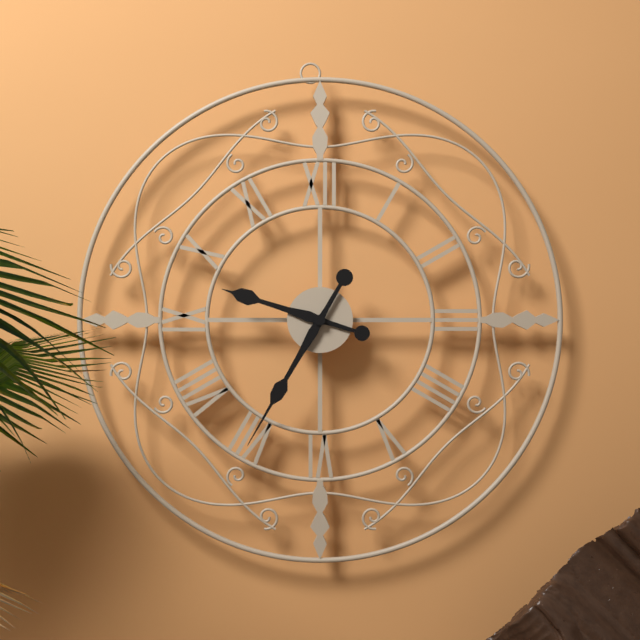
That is 9,35
